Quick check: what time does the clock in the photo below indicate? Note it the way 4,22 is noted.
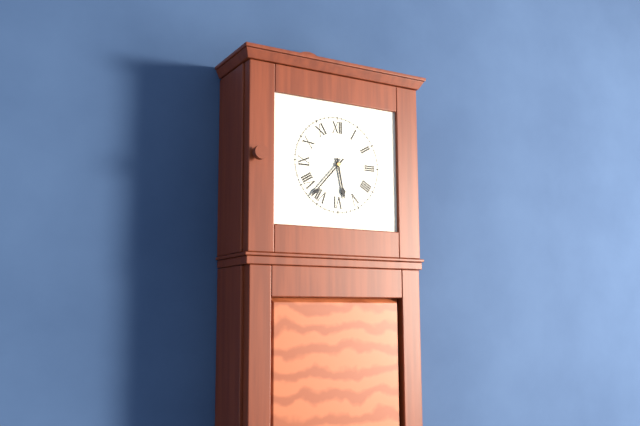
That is 5,37
